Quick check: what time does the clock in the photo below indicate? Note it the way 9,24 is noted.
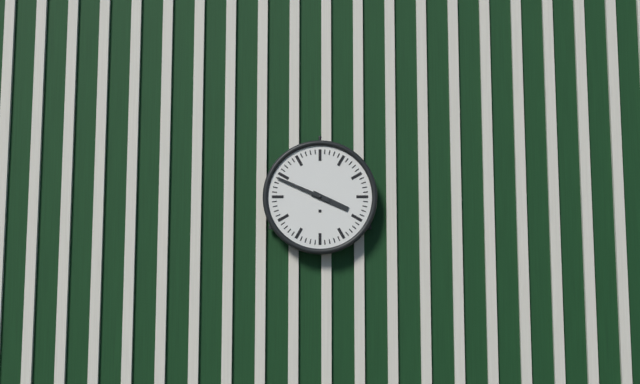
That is 3,49
